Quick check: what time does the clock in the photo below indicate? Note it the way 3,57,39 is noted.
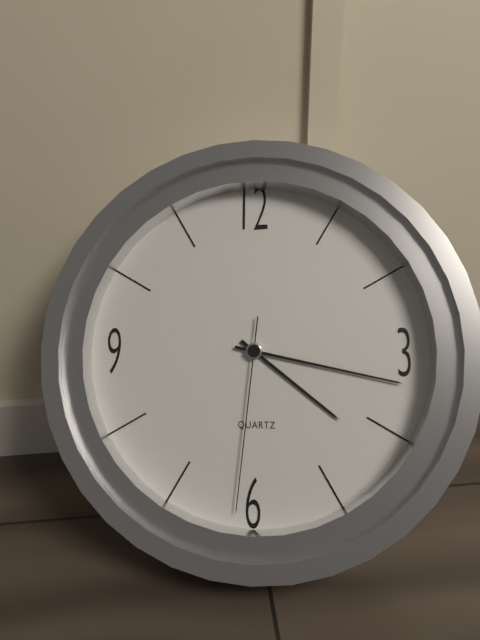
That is 4,17,31
